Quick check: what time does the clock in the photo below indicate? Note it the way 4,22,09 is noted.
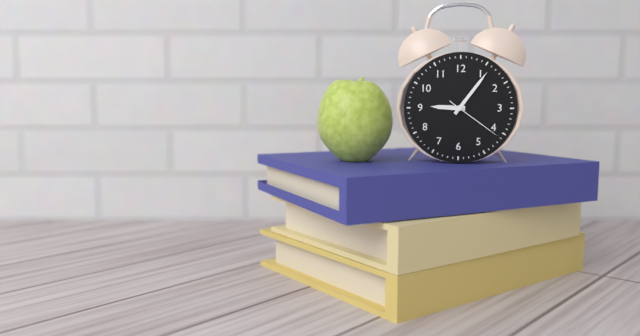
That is 9,06,21
